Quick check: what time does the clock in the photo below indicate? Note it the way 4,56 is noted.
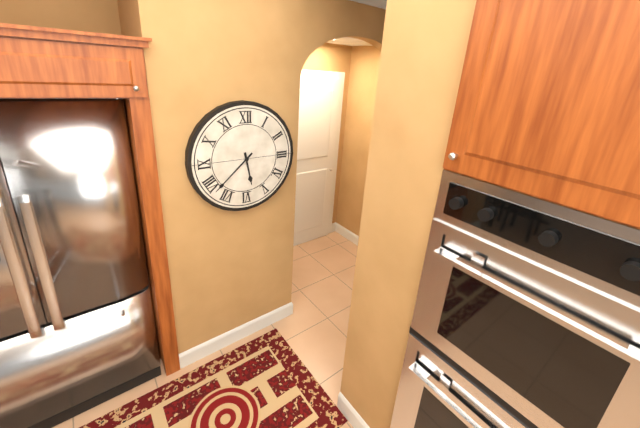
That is 5,38
